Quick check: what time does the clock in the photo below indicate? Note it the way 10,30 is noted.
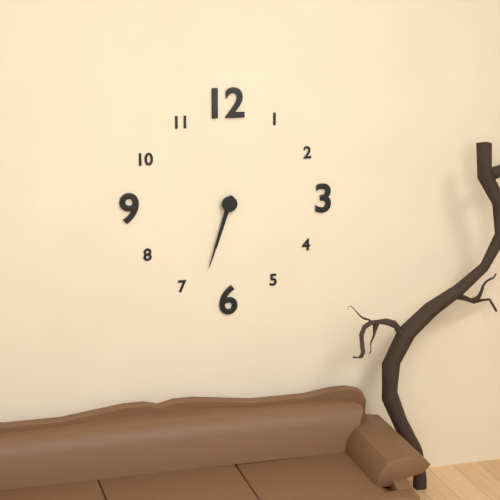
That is 6,33
